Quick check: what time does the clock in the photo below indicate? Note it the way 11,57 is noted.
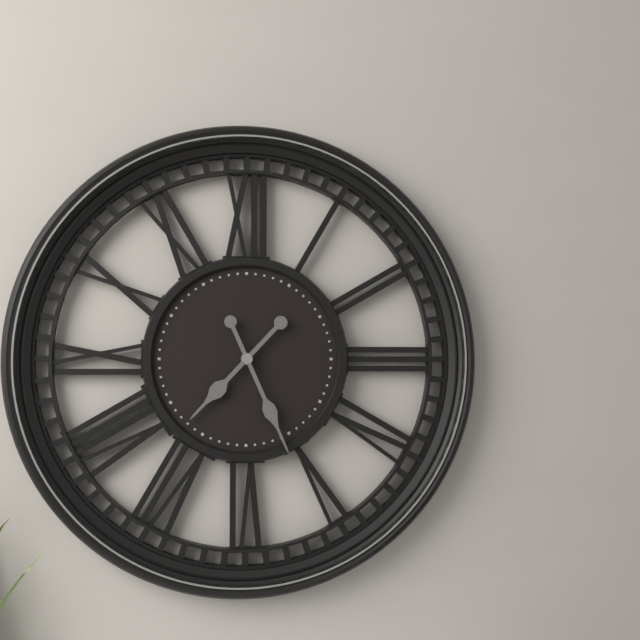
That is 7,26
